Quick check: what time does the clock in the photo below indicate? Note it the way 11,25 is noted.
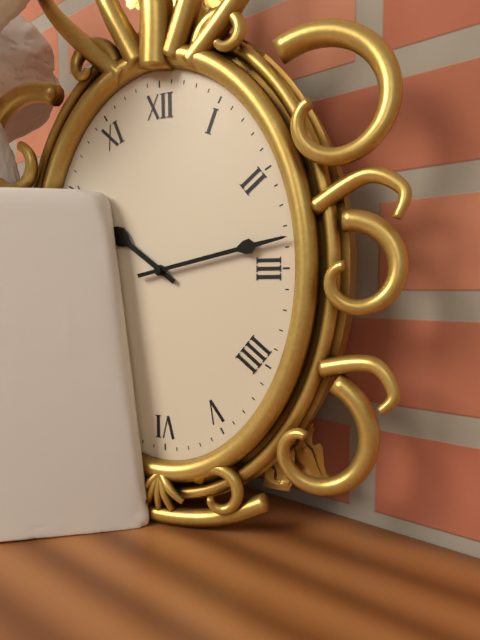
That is 10,13
